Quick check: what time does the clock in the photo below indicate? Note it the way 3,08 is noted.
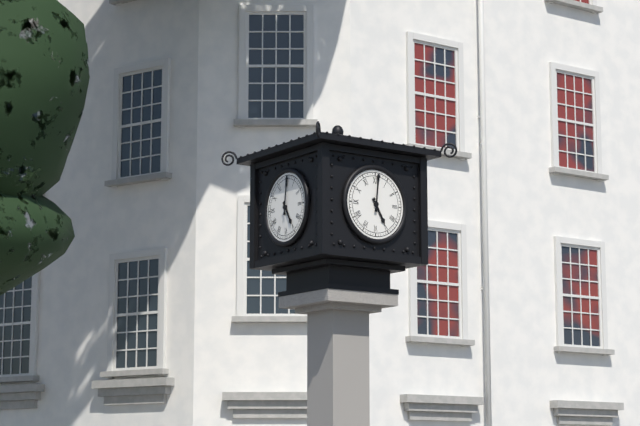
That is 5,01
